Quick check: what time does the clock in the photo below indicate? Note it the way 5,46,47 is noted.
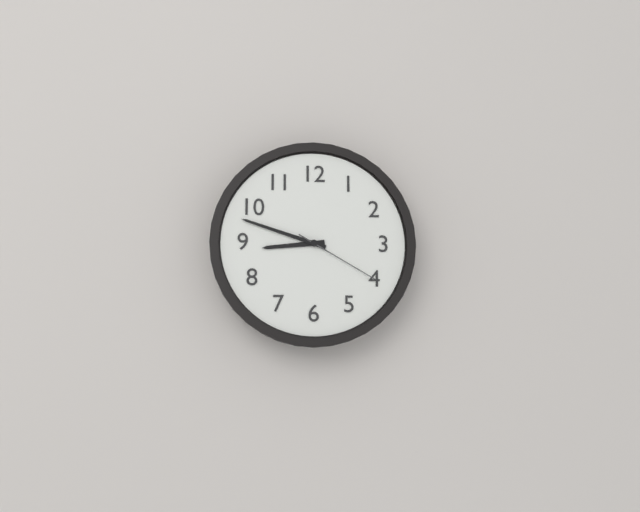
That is 8,48,20
